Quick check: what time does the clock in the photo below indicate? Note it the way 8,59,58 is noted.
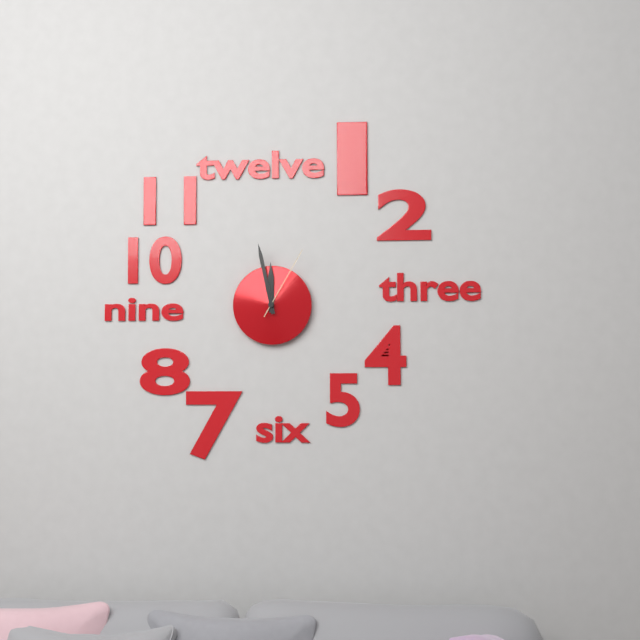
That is 11,58,05
